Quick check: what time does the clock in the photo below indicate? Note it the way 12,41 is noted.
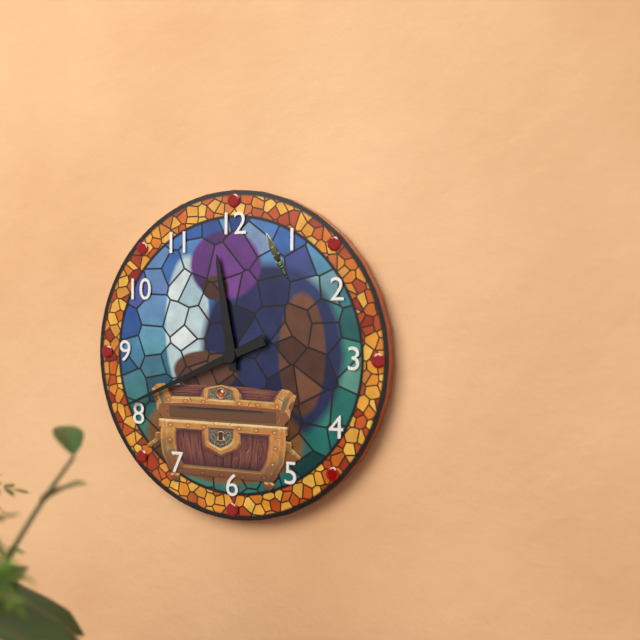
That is 11,41
